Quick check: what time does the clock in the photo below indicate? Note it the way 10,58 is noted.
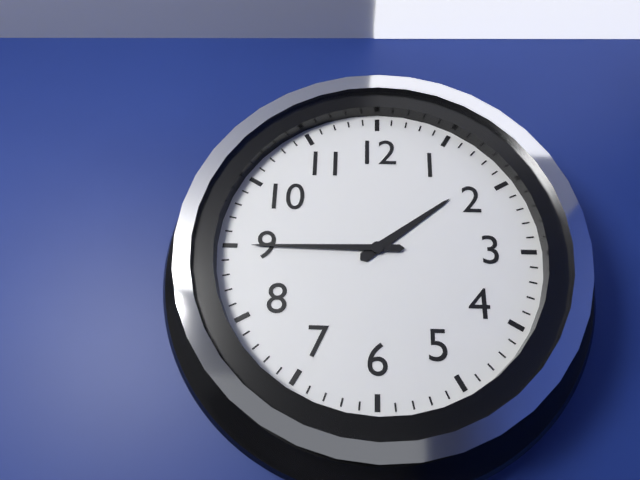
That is 1,45
